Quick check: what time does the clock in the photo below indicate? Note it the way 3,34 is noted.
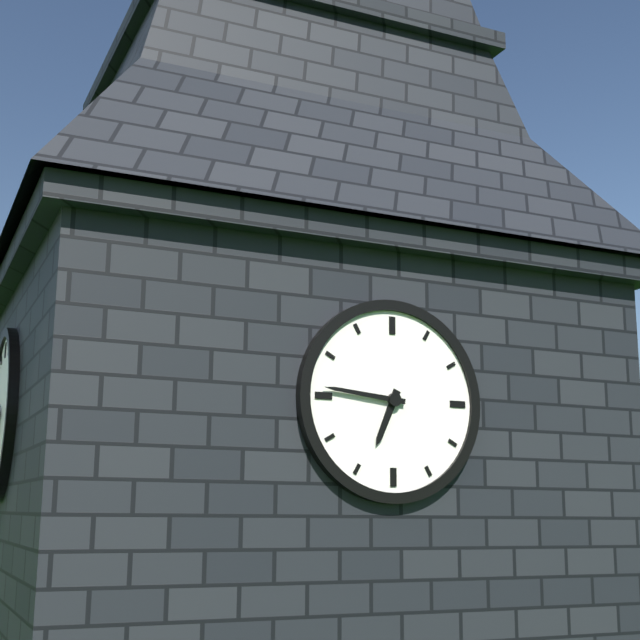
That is 6,46
